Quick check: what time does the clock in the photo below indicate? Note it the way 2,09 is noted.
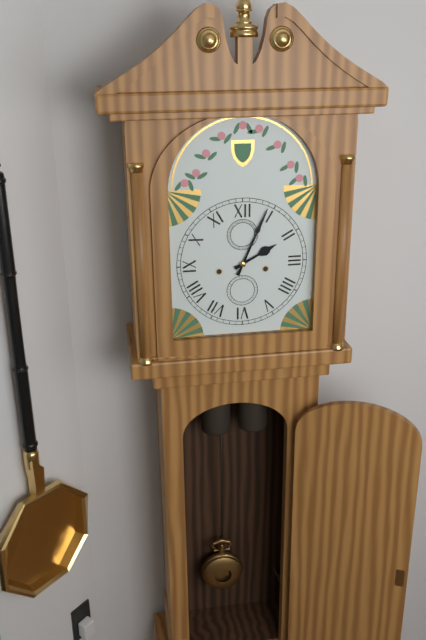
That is 2,04
